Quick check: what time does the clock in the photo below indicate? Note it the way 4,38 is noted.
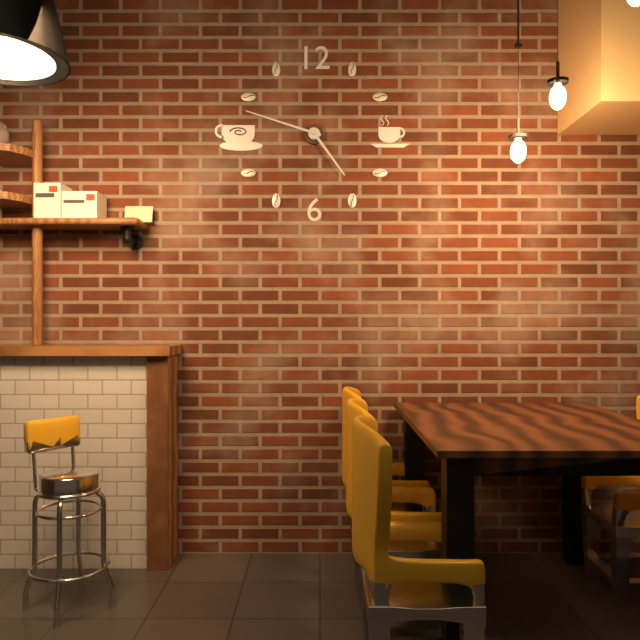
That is 4,48
